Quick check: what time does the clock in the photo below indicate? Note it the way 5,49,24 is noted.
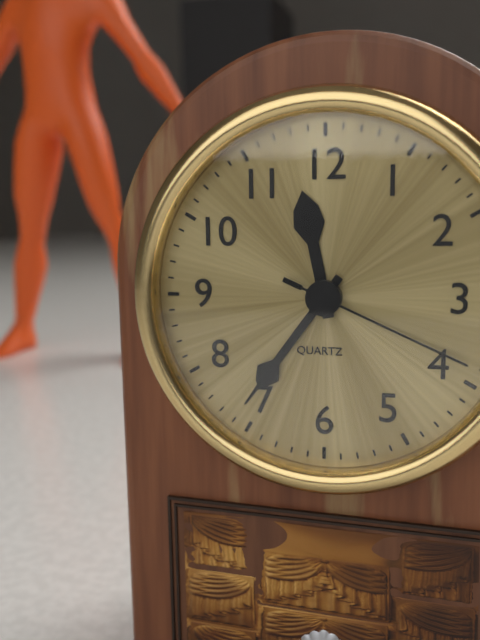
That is 11,36,19
